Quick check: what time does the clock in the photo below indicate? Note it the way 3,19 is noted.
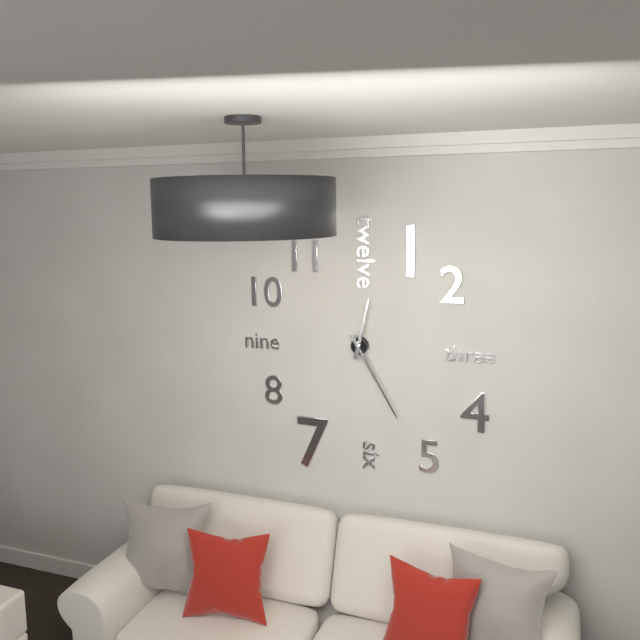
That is 12,25
